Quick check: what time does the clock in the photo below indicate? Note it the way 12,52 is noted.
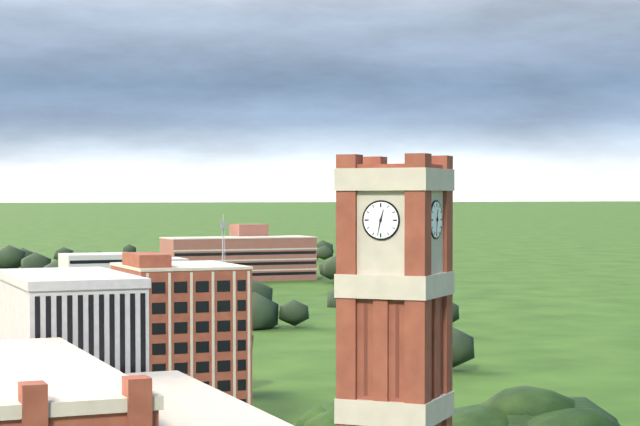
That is 12,32
